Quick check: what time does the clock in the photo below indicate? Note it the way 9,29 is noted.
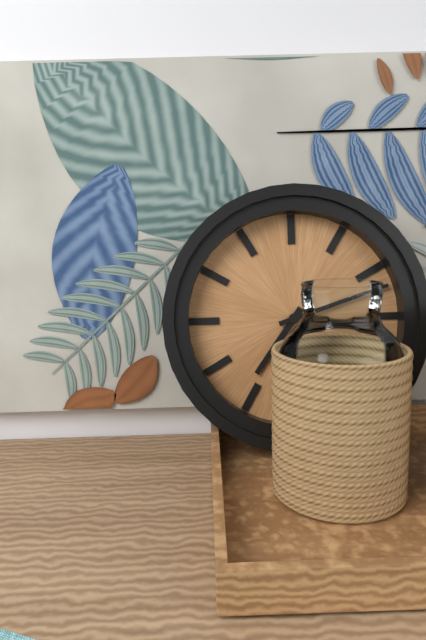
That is 7,12
